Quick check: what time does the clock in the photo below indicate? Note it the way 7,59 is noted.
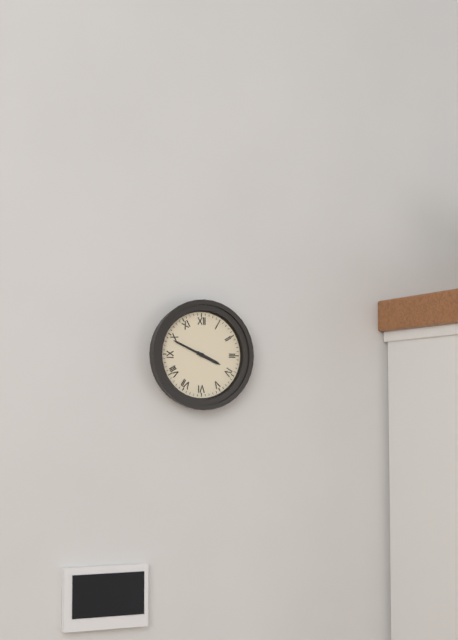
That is 3,49
